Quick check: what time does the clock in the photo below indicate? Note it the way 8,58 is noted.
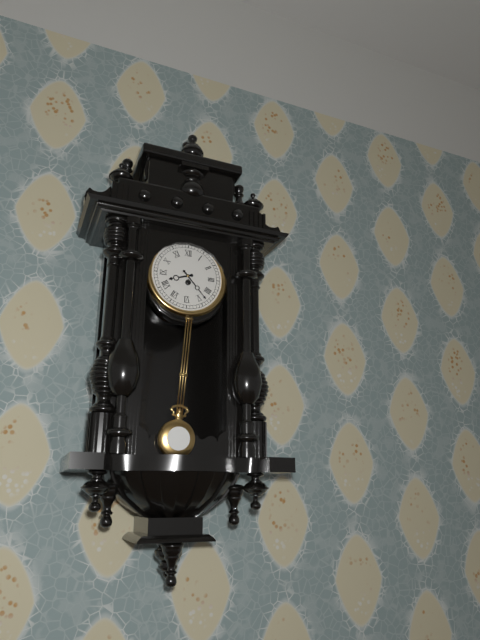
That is 8,23
